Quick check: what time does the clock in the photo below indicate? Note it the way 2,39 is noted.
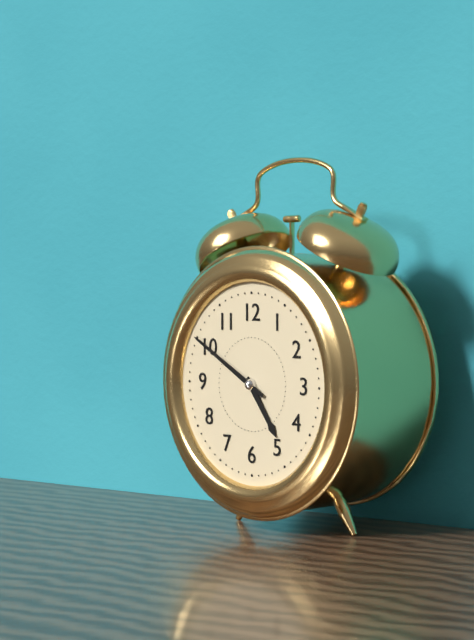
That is 4,50
